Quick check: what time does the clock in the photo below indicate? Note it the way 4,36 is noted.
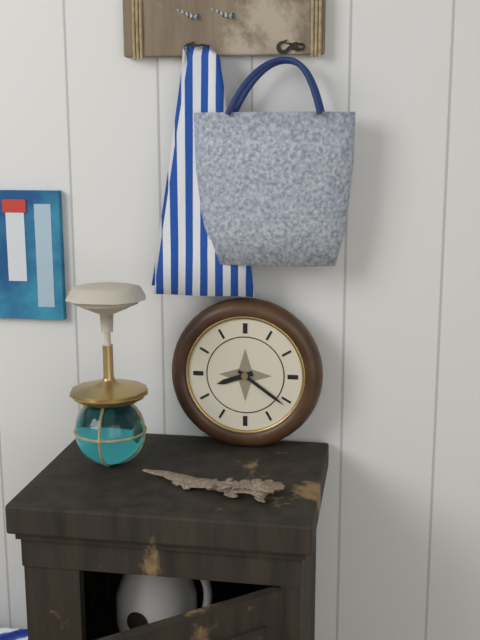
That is 8,21
